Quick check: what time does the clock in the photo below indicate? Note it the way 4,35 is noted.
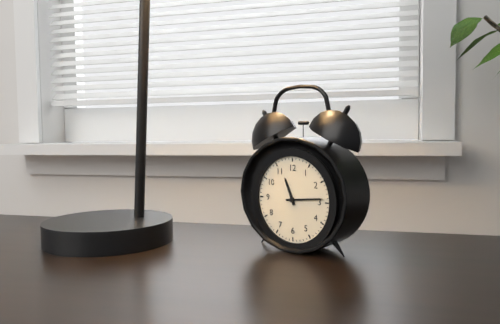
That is 11,14
